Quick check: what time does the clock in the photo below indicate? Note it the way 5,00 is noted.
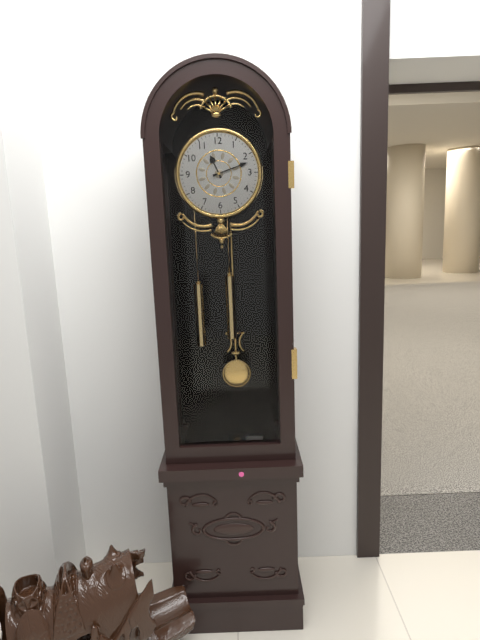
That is 11,12
